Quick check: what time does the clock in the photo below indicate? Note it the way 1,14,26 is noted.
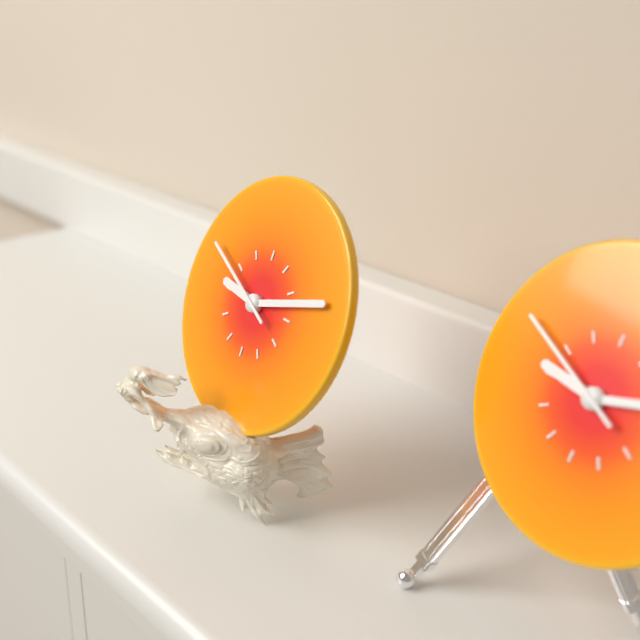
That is 9,12,49
